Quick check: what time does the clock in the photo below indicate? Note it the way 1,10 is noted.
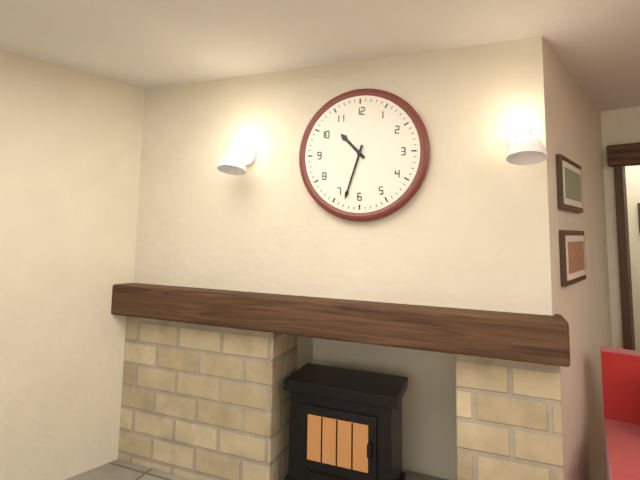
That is 10,33
